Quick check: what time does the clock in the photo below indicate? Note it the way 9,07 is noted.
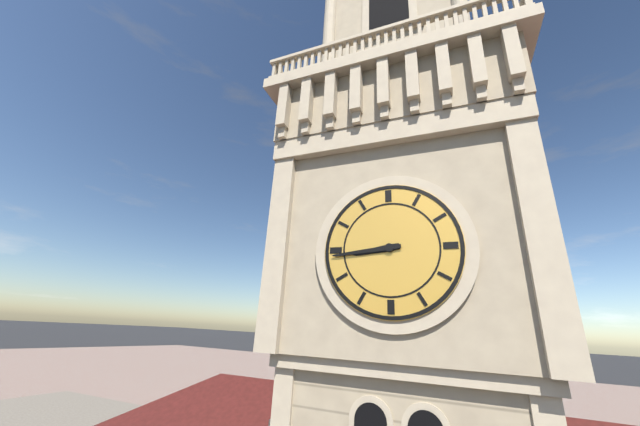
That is 8,44
